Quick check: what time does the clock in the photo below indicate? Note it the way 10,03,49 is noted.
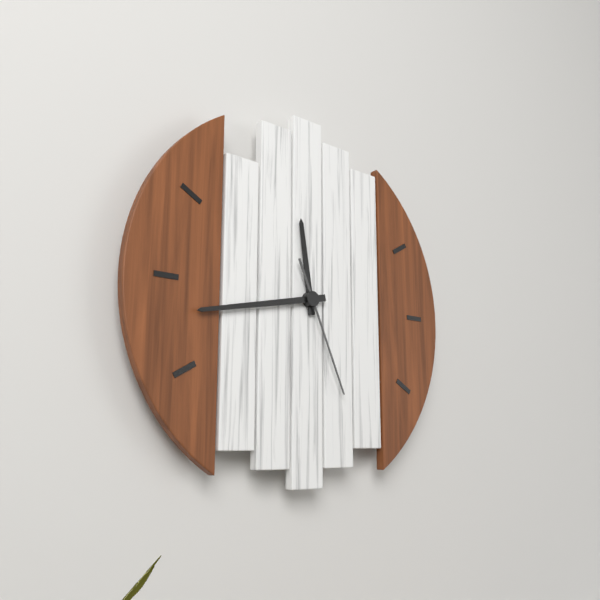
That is 11,43,26
